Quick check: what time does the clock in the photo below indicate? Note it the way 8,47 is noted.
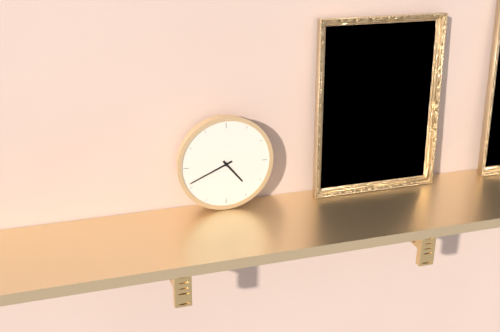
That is 4,41
